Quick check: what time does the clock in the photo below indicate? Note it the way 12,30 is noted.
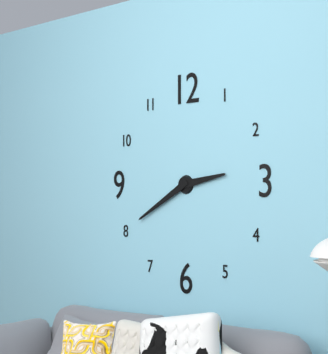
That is 2,40
